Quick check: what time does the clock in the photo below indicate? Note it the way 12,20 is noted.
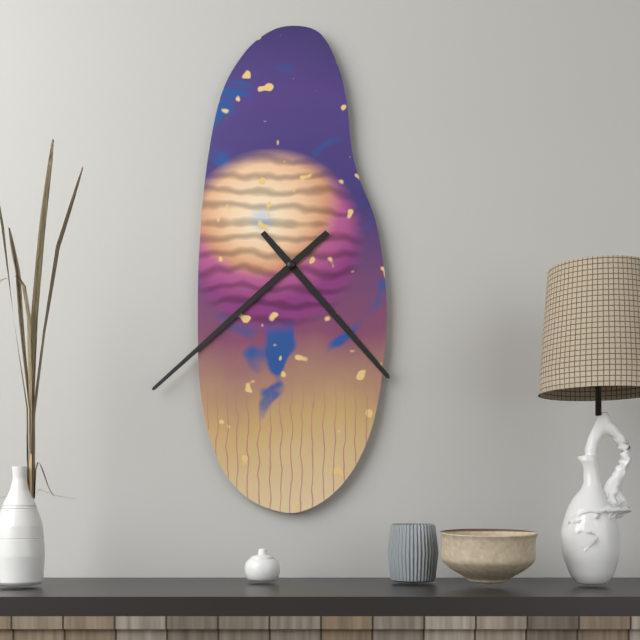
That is 4,38
